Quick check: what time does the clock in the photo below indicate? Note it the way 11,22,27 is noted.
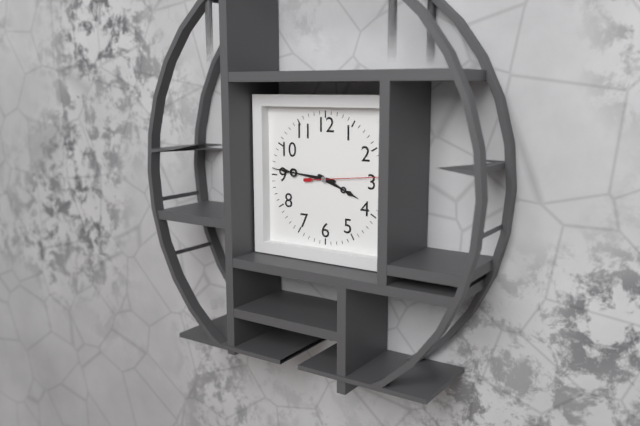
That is 3,46,14
